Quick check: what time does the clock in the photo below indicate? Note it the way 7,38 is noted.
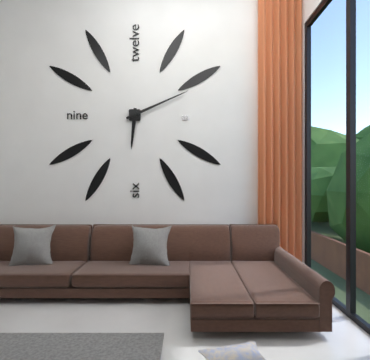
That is 6,11
